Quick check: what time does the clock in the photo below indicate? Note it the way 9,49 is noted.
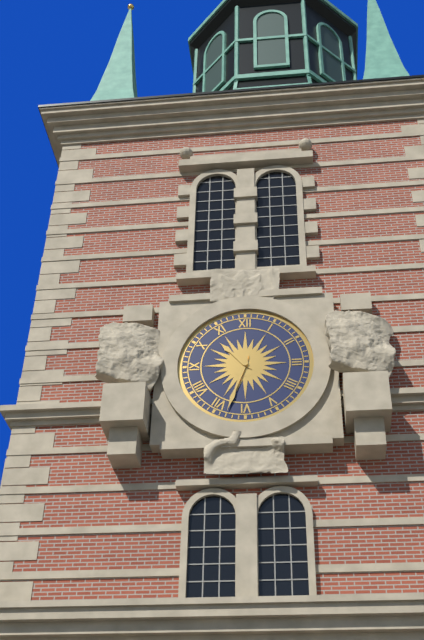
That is 10,33
